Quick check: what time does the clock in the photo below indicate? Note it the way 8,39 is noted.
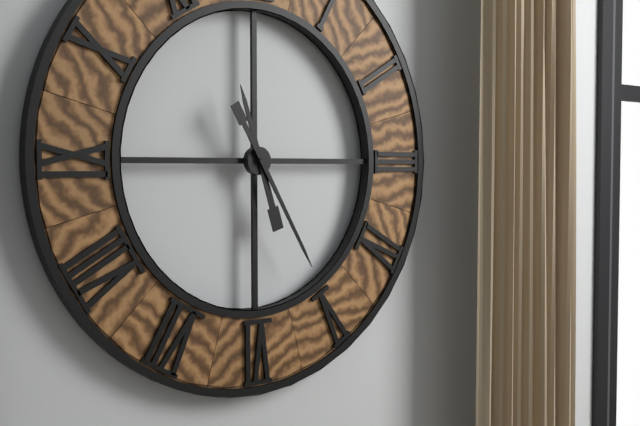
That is 11,25
